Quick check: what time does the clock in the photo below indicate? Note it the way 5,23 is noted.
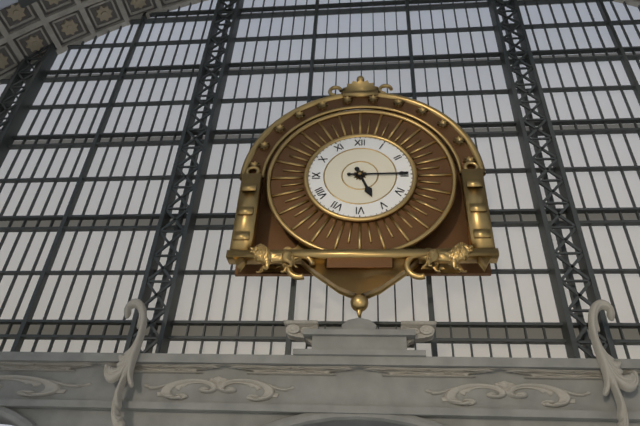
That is 5,15
